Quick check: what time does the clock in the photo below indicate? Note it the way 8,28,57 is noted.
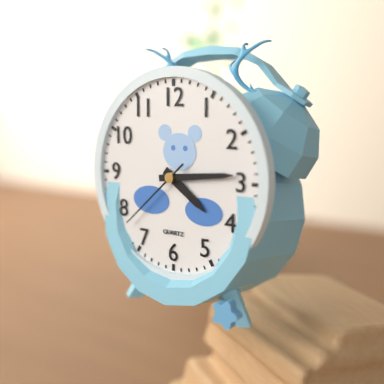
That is 4,14,38
